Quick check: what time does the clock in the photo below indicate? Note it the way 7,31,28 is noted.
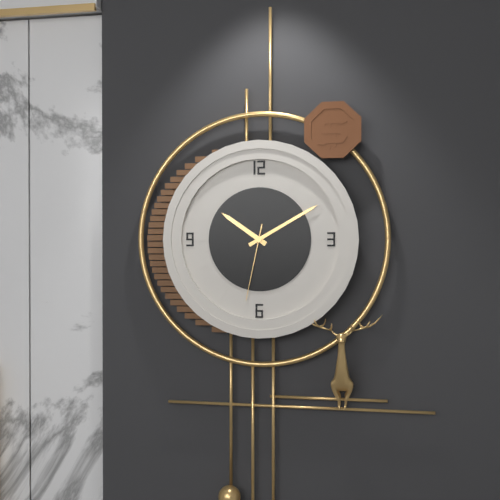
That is 10,10,32
